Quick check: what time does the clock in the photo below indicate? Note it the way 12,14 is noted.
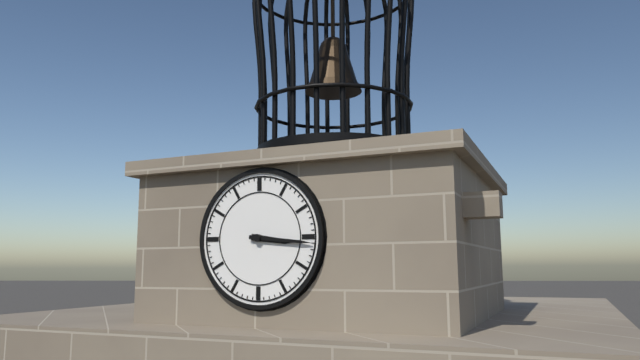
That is 3,16
